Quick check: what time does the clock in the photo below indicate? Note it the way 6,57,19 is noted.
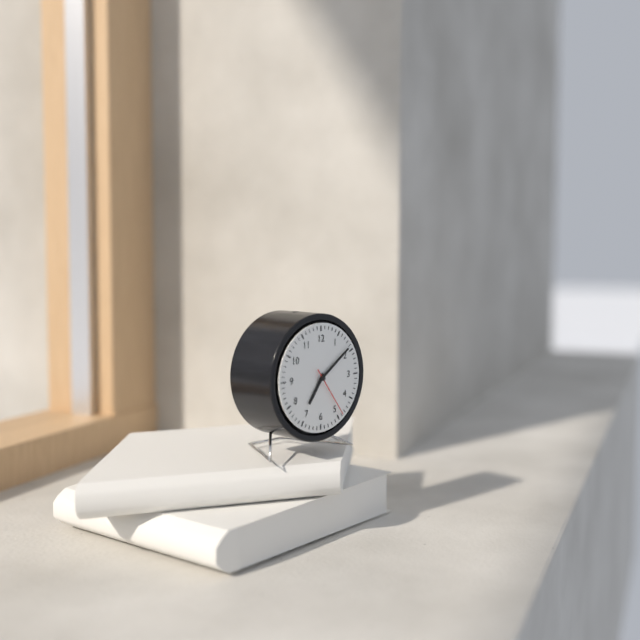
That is 7,09,24
